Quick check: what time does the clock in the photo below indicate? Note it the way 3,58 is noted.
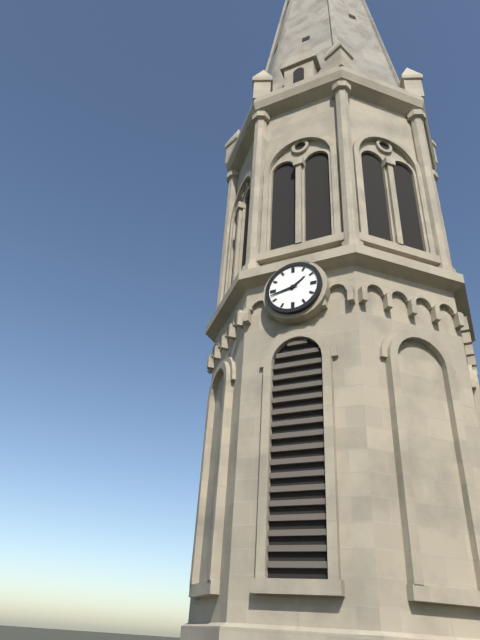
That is 1,43
